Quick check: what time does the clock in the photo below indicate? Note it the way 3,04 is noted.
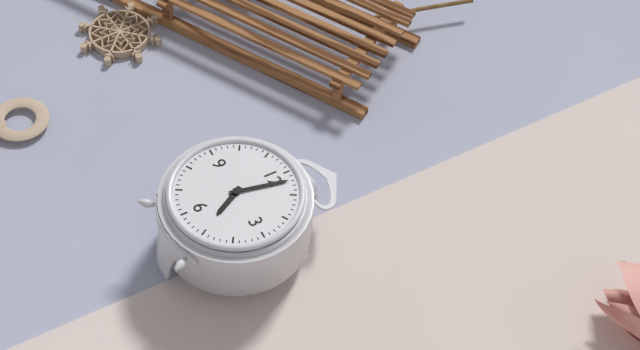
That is 5,02
